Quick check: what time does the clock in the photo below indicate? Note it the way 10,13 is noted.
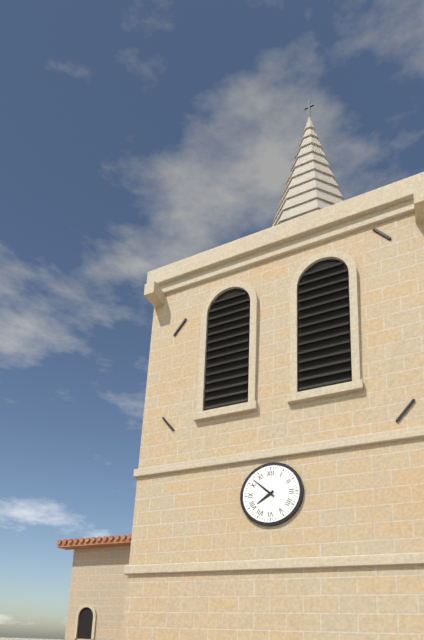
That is 7,52
